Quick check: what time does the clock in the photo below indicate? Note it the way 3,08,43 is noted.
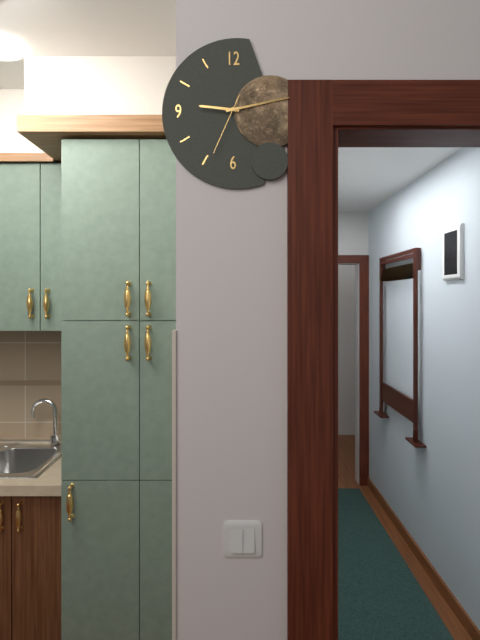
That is 9,13,34
